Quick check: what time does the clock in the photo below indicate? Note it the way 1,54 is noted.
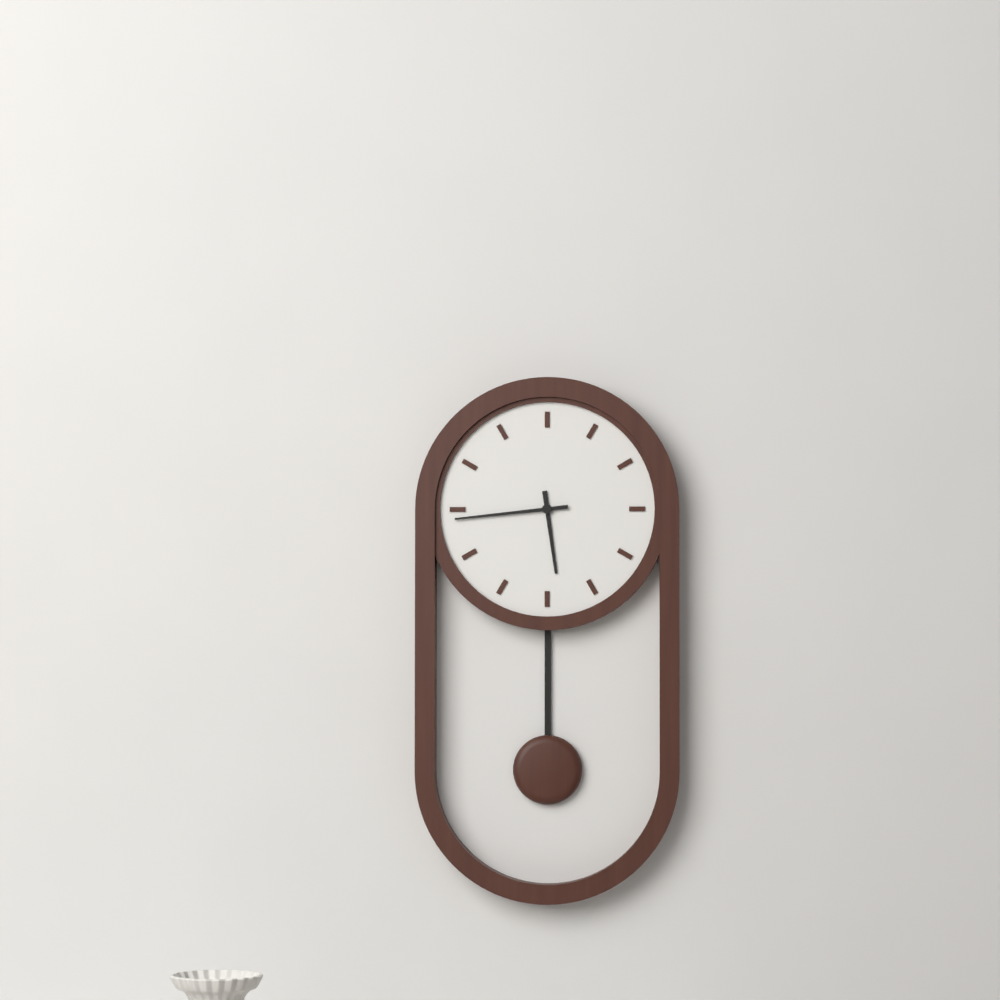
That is 5,44
